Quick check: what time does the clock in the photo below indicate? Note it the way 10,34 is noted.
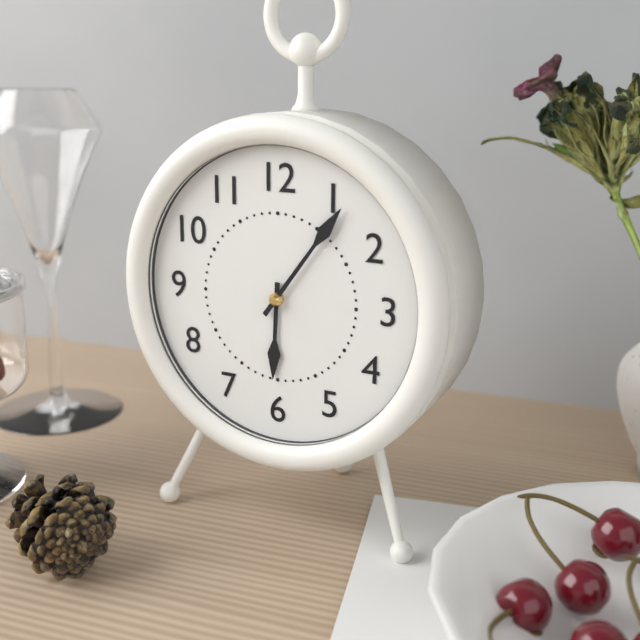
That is 6,06
